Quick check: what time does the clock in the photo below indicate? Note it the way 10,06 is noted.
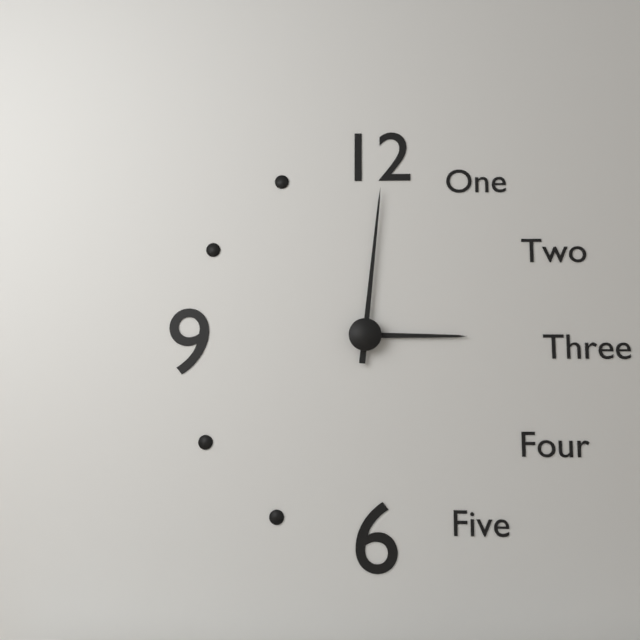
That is 3,01
